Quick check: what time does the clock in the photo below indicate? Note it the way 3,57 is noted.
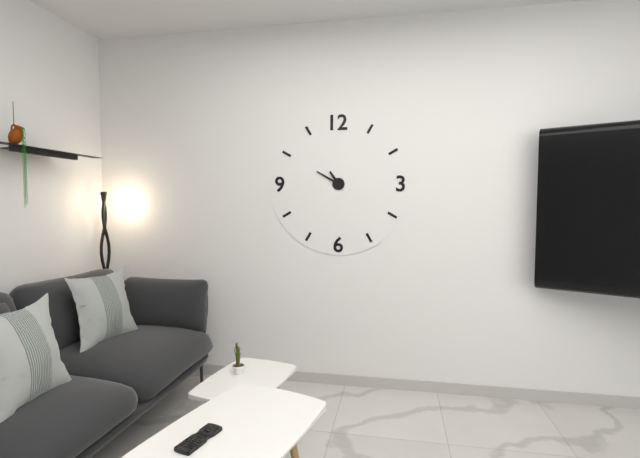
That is 10,50
